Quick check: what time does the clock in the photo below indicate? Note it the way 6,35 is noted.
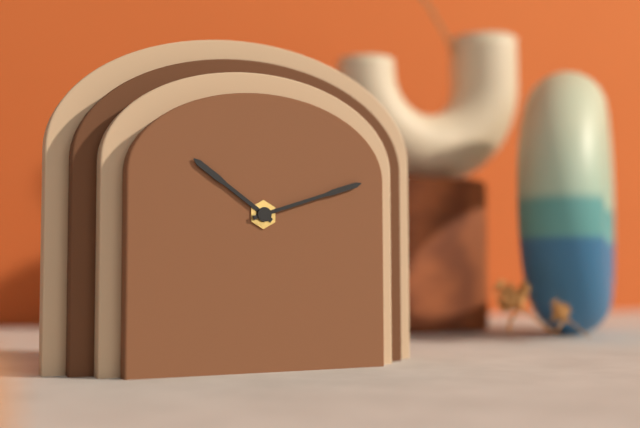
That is 10,12
